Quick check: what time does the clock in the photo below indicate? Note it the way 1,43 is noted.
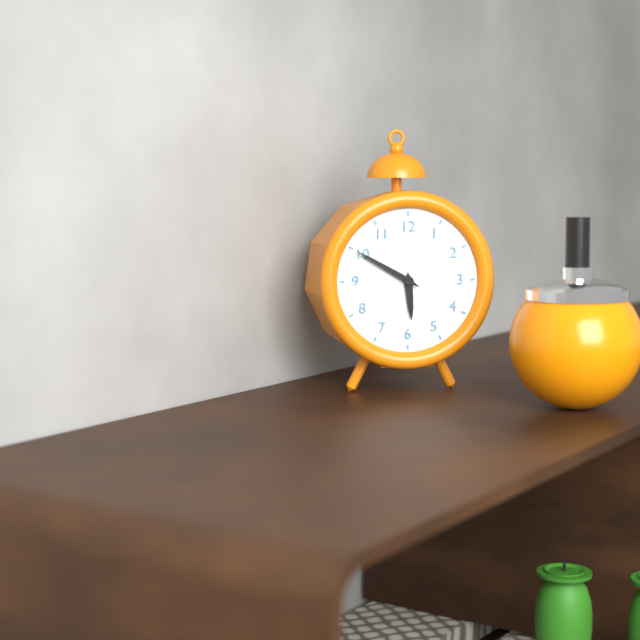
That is 5,50
